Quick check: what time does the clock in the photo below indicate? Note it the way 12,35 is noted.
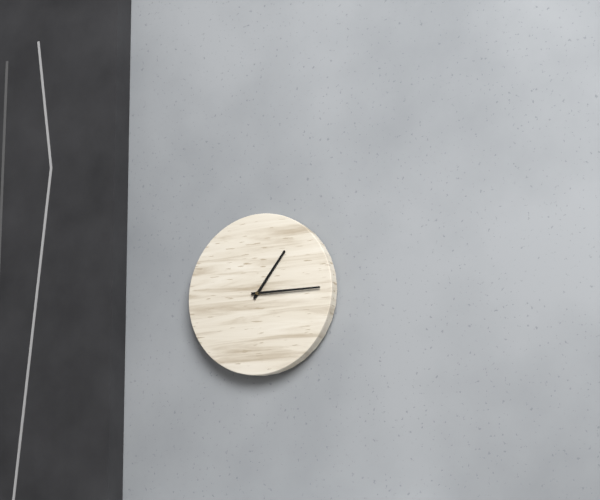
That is 1,15
